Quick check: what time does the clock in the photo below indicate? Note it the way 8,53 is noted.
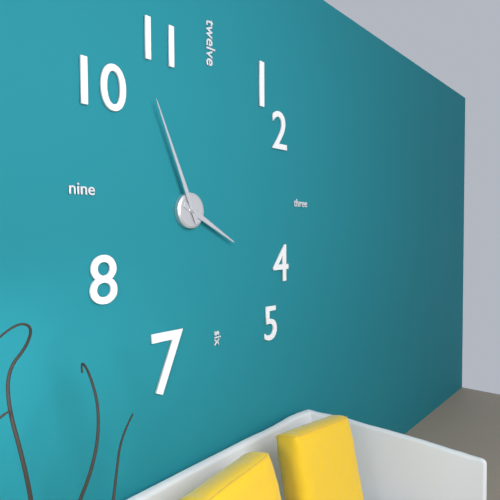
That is 3,56
